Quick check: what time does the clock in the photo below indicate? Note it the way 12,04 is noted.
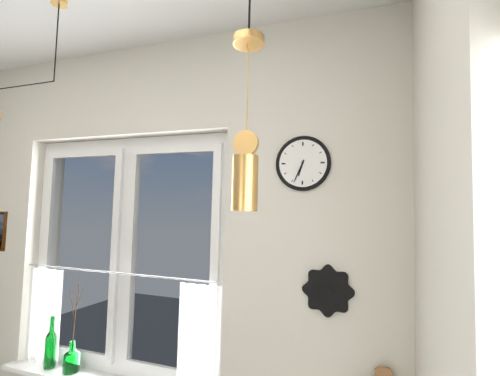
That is 6,34
